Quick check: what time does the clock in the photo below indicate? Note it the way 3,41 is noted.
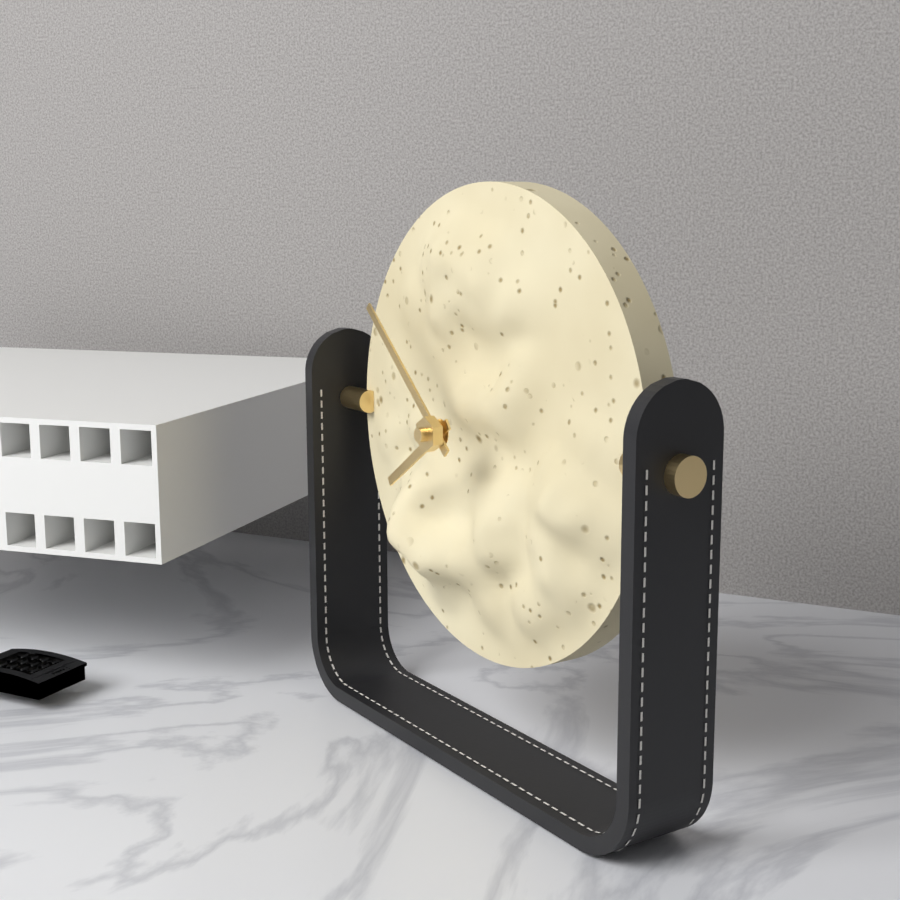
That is 7,52
